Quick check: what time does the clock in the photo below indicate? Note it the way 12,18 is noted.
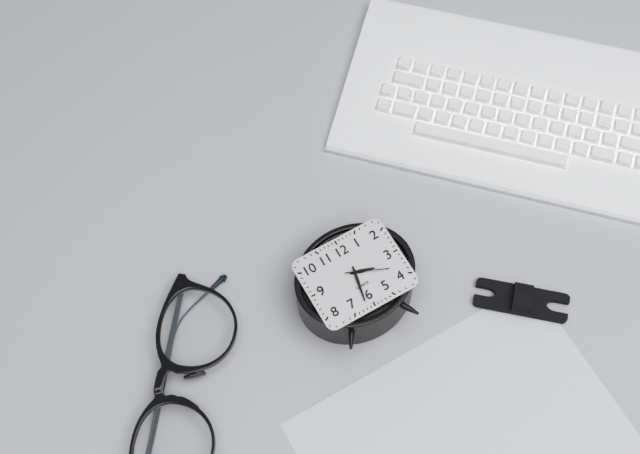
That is 3,32
